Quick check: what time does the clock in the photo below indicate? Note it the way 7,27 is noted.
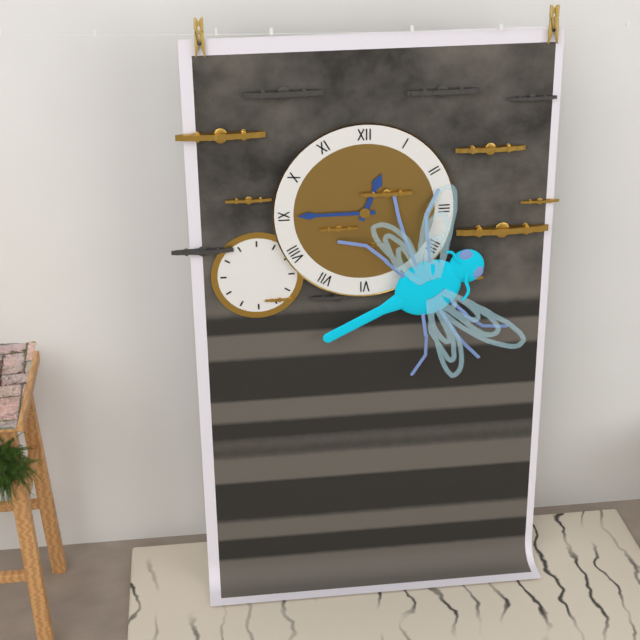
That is 12,45
